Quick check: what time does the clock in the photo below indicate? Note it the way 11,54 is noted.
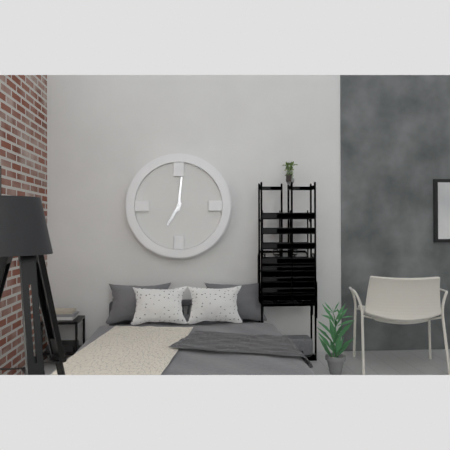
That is 7,01
